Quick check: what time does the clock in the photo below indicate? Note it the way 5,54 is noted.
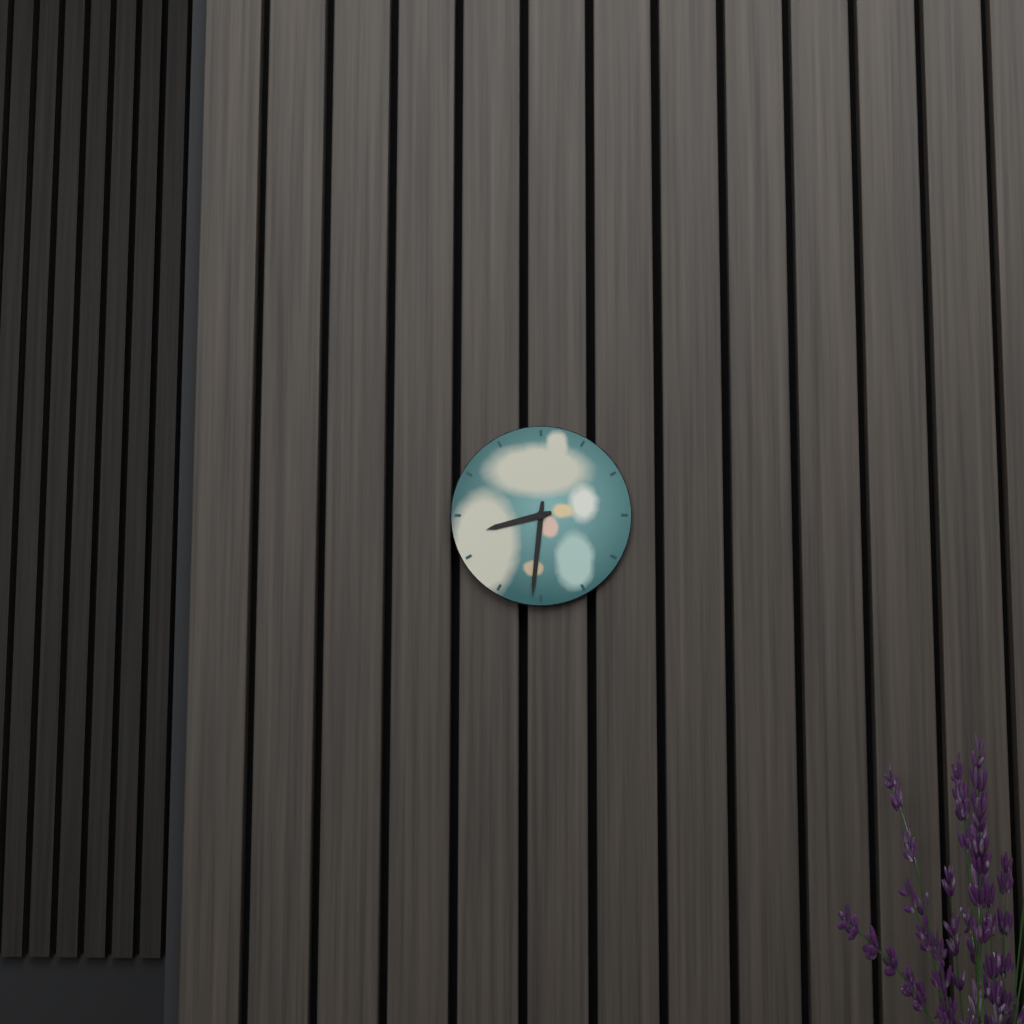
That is 8,31
